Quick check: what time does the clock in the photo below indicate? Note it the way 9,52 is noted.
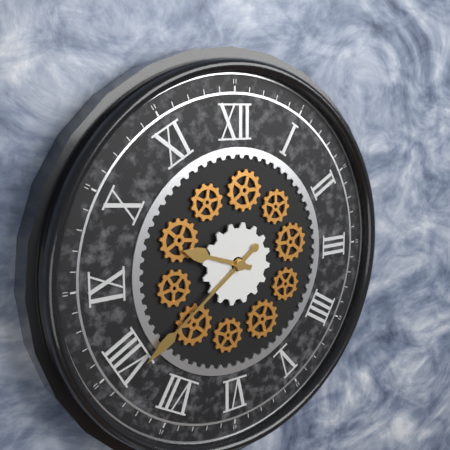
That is 9,39
